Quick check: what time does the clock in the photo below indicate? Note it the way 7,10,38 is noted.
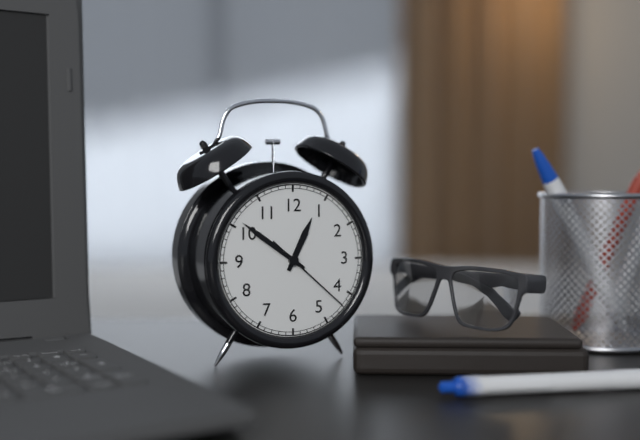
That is 12,51,22
